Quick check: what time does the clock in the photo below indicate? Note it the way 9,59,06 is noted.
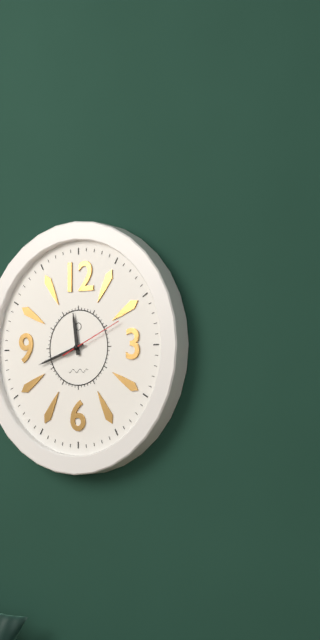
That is 11,42,11
